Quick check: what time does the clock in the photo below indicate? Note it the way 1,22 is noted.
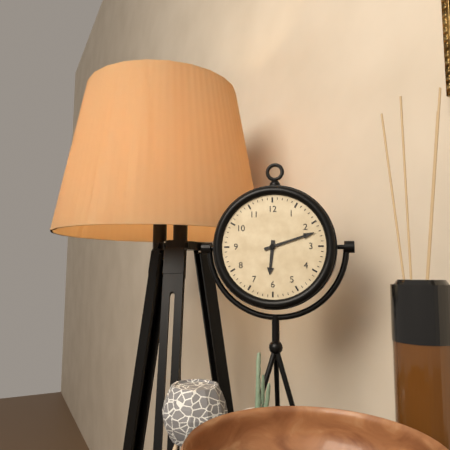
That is 6,12
